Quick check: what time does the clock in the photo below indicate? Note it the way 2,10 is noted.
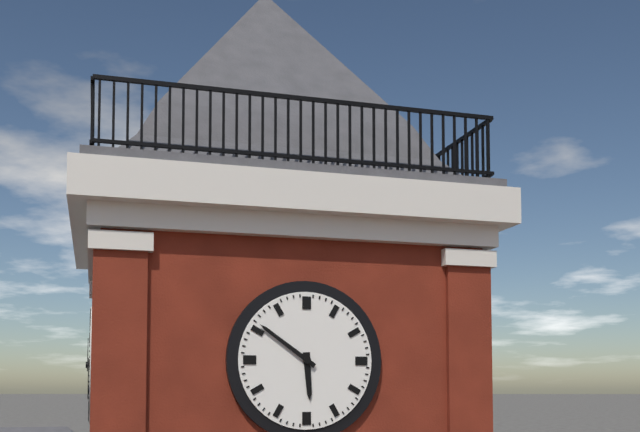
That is 5,51
